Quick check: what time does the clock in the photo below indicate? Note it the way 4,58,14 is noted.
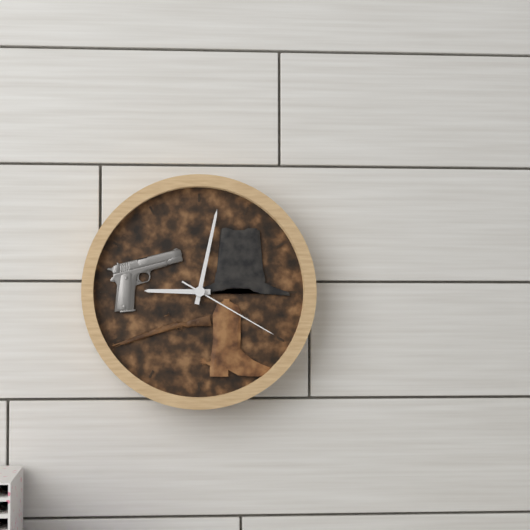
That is 9,02,20
